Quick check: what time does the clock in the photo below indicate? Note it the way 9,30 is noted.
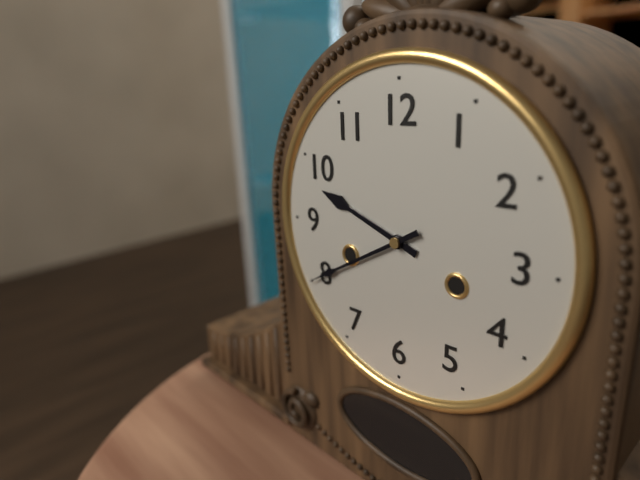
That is 9,40
